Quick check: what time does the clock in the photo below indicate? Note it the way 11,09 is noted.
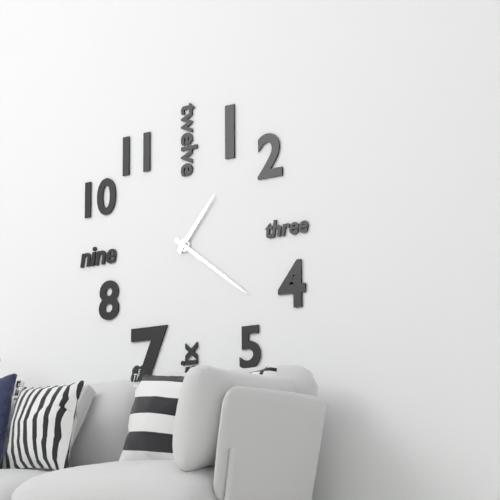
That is 1,21
